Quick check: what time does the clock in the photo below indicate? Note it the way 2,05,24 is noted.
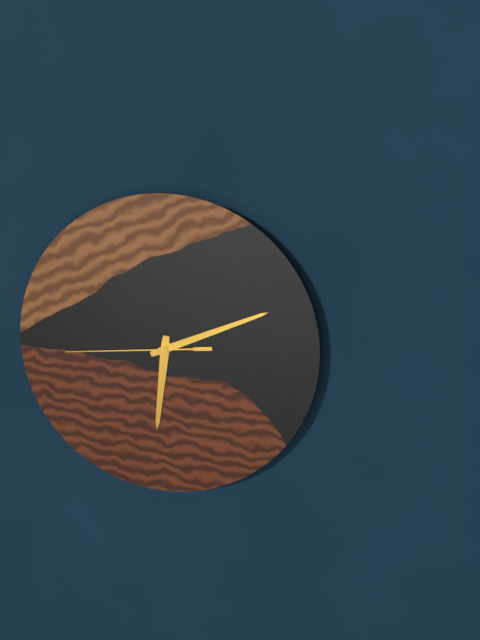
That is 6,11,44
